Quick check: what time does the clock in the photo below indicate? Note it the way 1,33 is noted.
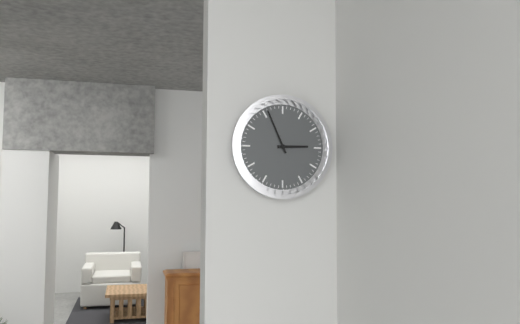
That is 2,56
